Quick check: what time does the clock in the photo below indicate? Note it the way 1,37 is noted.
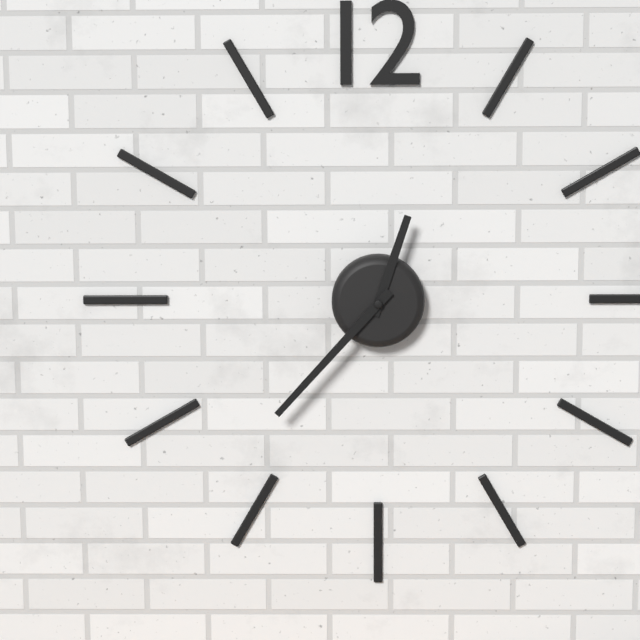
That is 12,37
